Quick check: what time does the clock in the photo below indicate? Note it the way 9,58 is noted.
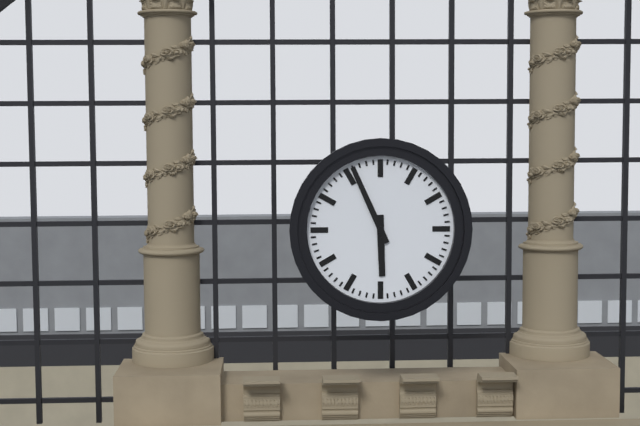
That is 5,56
